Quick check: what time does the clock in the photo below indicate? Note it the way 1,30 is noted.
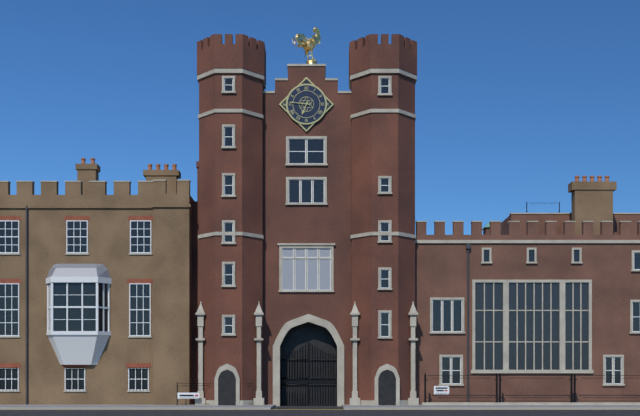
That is 6,46
